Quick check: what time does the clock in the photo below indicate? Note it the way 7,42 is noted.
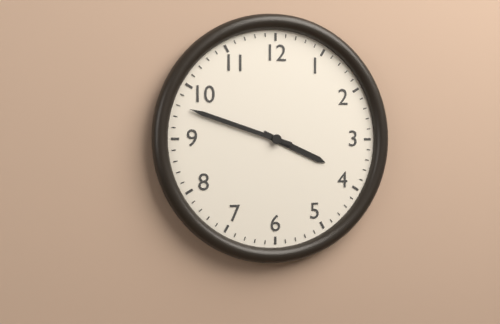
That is 3,48
